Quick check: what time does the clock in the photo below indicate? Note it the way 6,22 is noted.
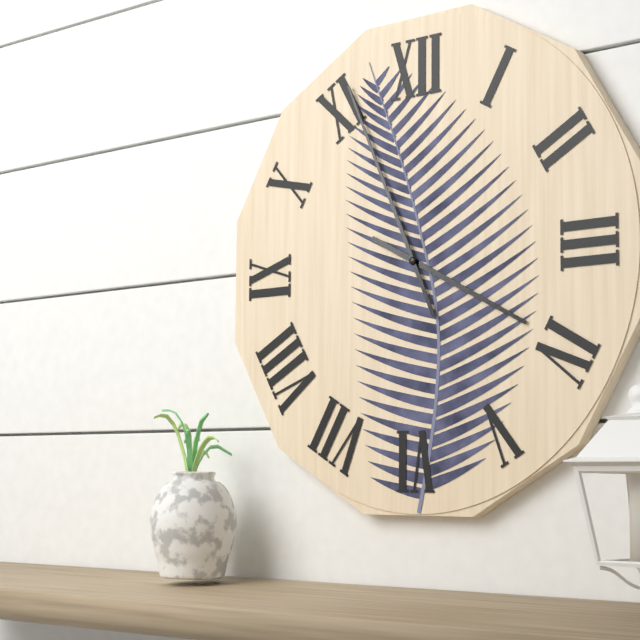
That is 3,56
